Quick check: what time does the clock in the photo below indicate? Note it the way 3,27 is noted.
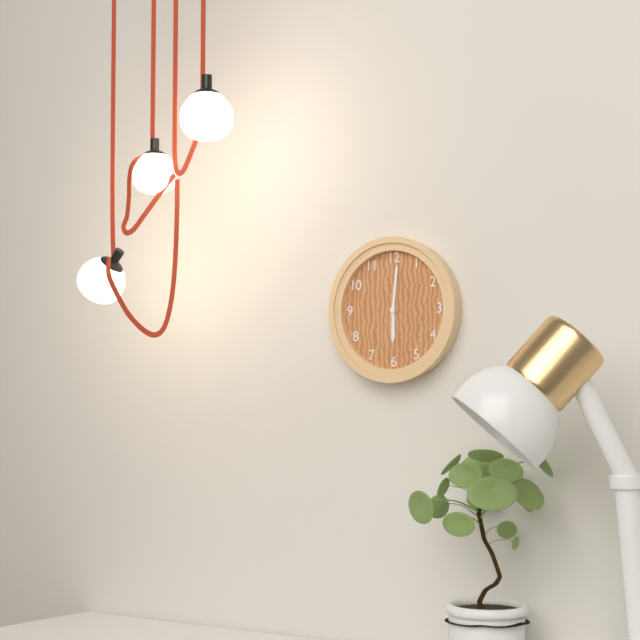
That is 6,01
